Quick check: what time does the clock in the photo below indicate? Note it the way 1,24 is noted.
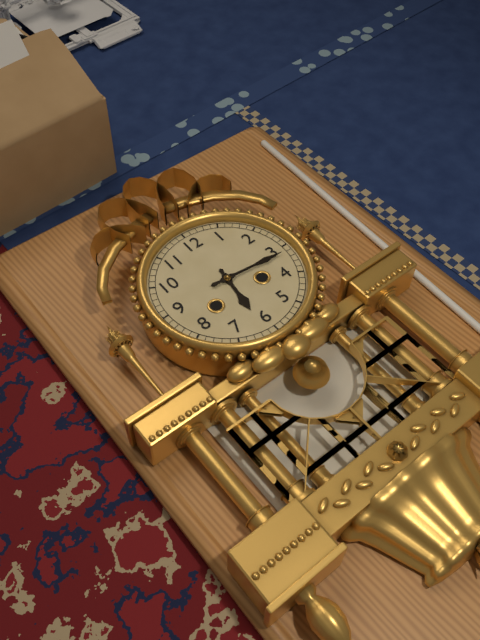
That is 6,16
